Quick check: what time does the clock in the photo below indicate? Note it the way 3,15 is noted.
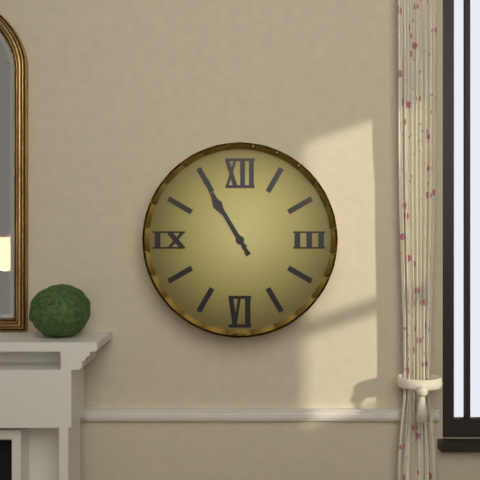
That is 10,55
